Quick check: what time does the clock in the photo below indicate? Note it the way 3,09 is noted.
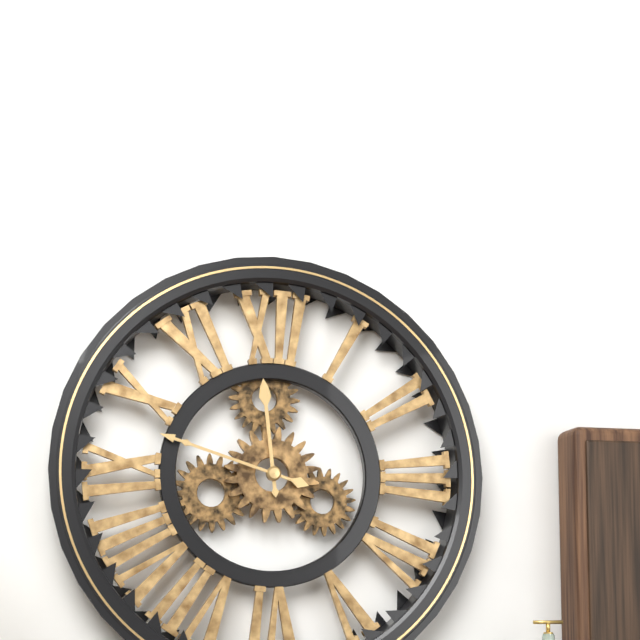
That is 11,48
